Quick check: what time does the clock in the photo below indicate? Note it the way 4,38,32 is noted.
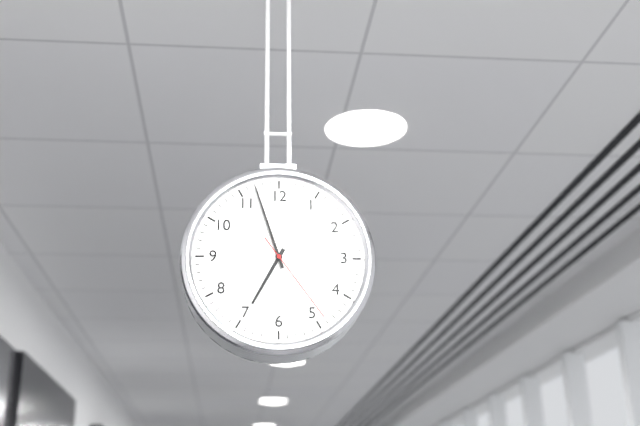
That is 6,57,24
